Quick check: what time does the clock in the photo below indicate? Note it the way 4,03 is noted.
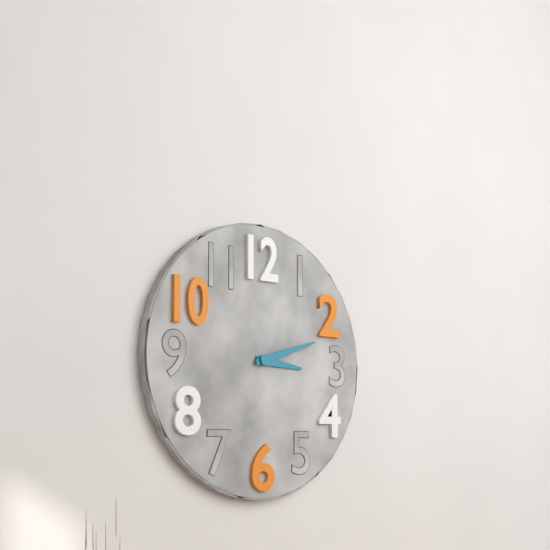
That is 3,12
